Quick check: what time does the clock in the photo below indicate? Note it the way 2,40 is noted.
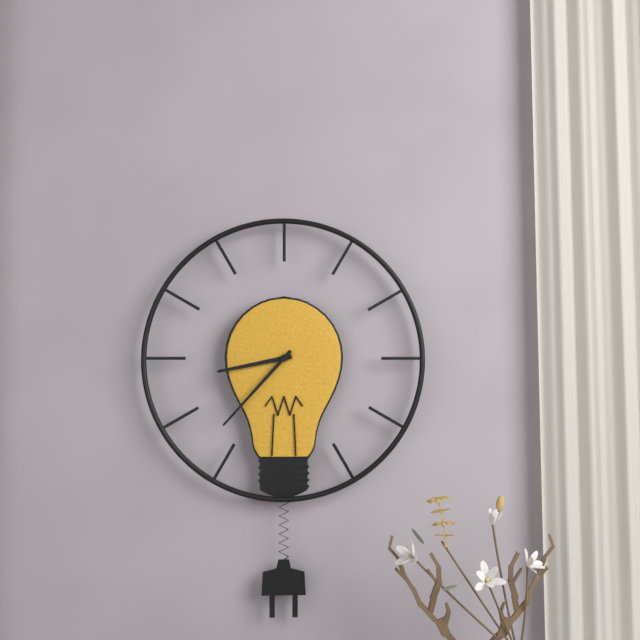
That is 8,37
